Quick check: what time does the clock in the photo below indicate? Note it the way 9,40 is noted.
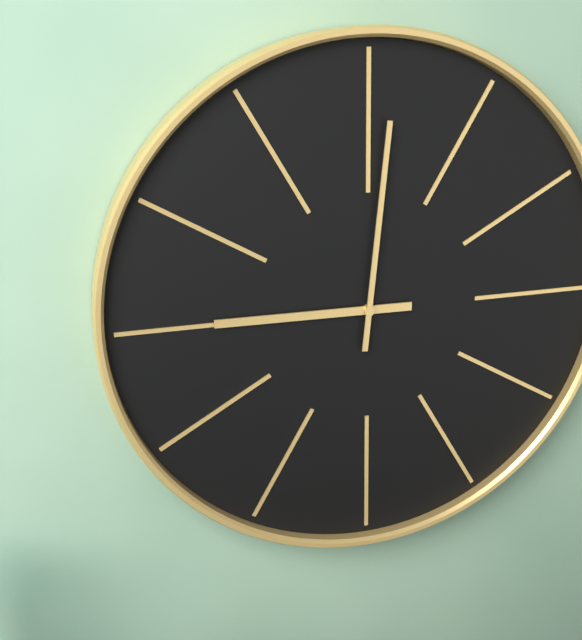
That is 9,01
